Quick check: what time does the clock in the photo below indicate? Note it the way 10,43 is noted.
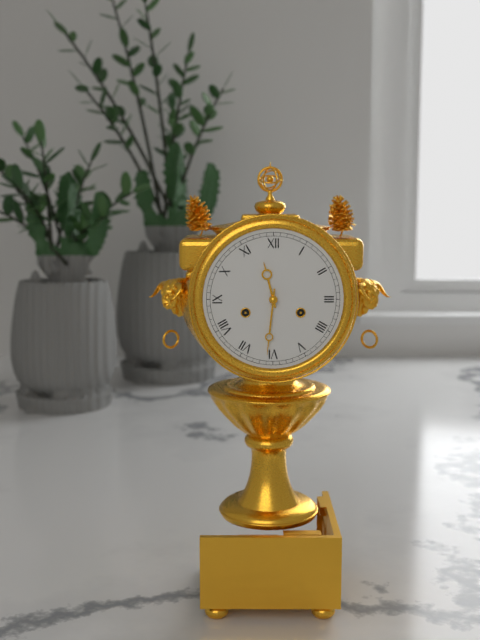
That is 11,31
